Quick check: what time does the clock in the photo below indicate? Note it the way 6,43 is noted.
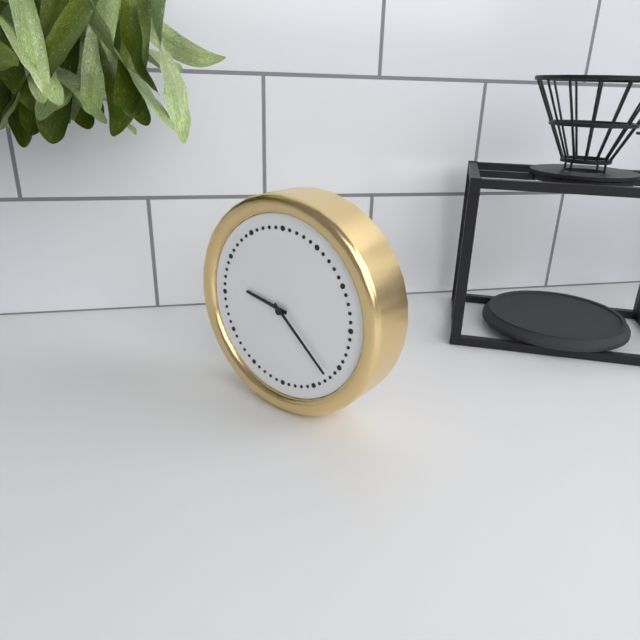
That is 9,22
